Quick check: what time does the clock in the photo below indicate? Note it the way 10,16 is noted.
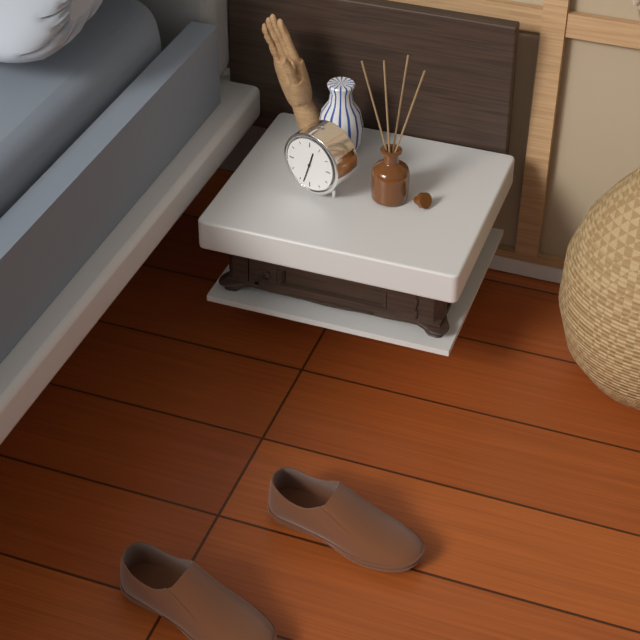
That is 12,33
